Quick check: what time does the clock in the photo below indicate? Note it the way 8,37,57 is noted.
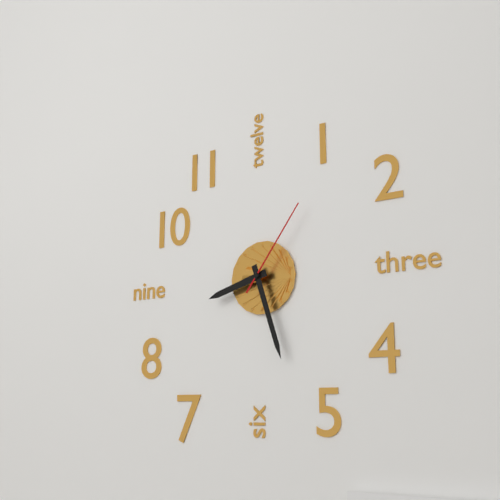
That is 8,27,06
